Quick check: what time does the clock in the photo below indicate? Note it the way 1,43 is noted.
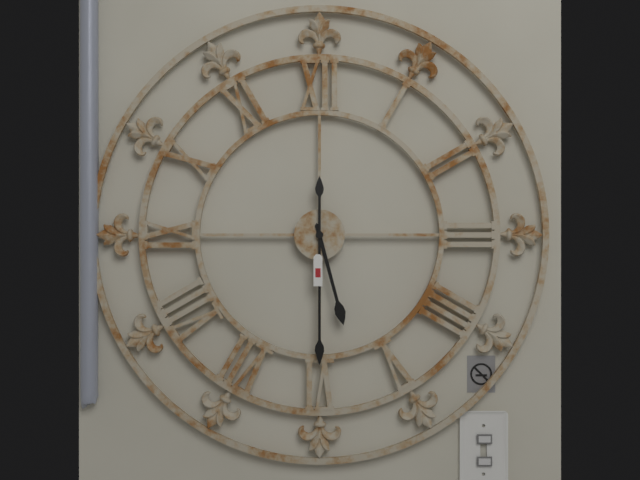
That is 5,30
